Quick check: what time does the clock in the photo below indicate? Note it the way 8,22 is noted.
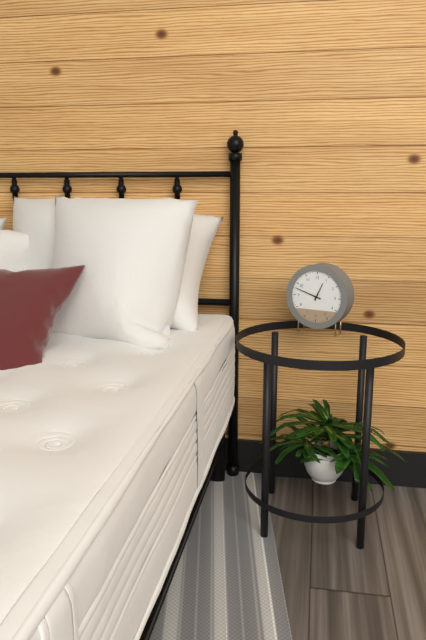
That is 12,48
